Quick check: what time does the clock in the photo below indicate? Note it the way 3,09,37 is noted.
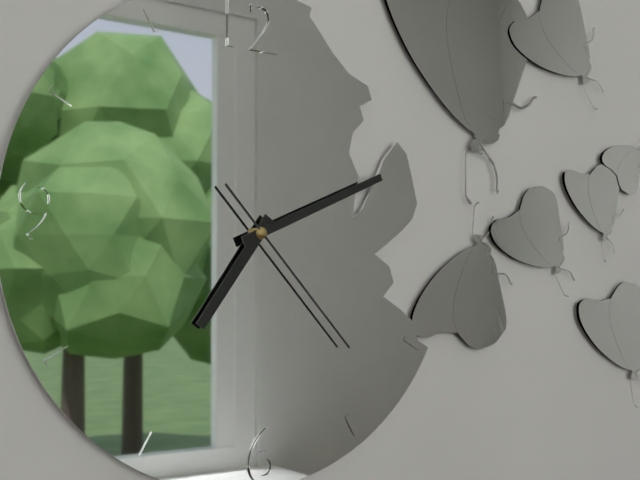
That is 7,11,23
